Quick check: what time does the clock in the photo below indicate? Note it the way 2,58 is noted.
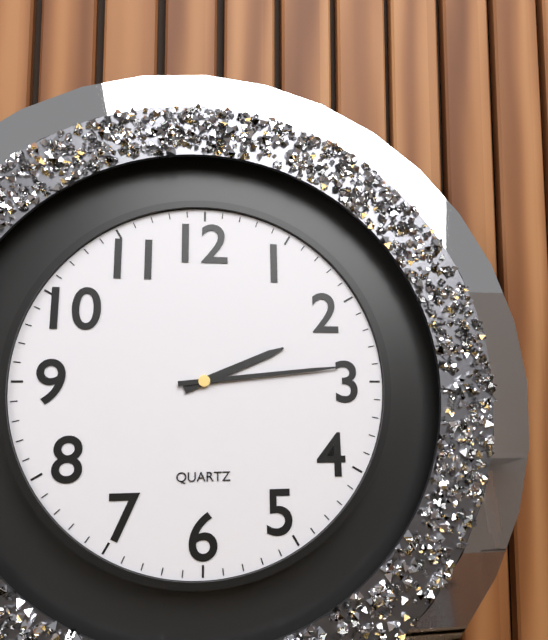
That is 2,14
